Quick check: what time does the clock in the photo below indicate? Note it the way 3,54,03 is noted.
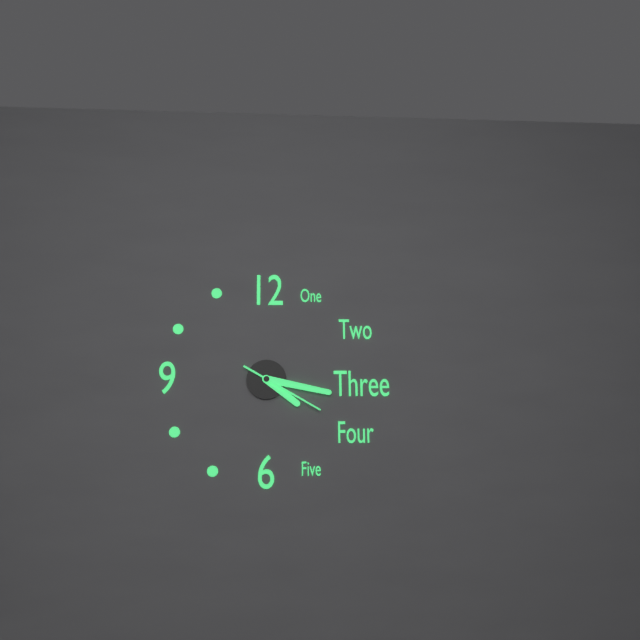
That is 4,17,20
